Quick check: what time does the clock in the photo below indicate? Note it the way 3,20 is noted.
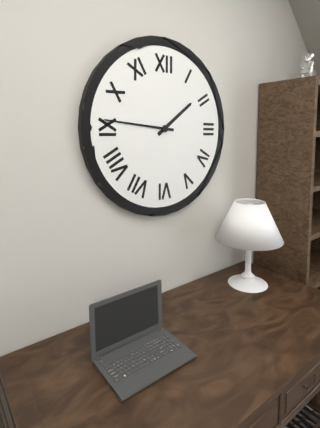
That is 1,46
